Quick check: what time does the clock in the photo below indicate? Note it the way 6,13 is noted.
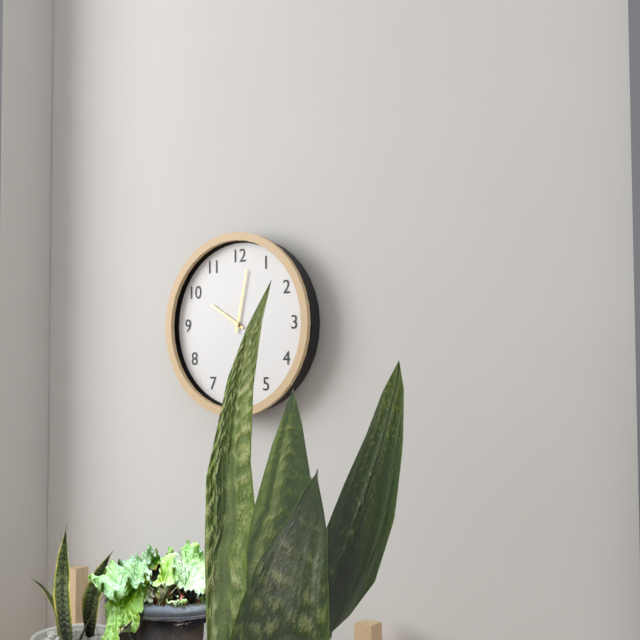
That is 10,02
